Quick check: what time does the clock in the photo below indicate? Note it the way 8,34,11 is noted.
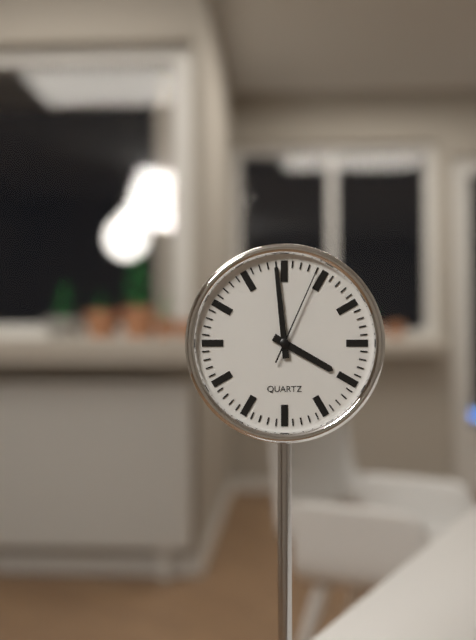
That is 3,59,04
